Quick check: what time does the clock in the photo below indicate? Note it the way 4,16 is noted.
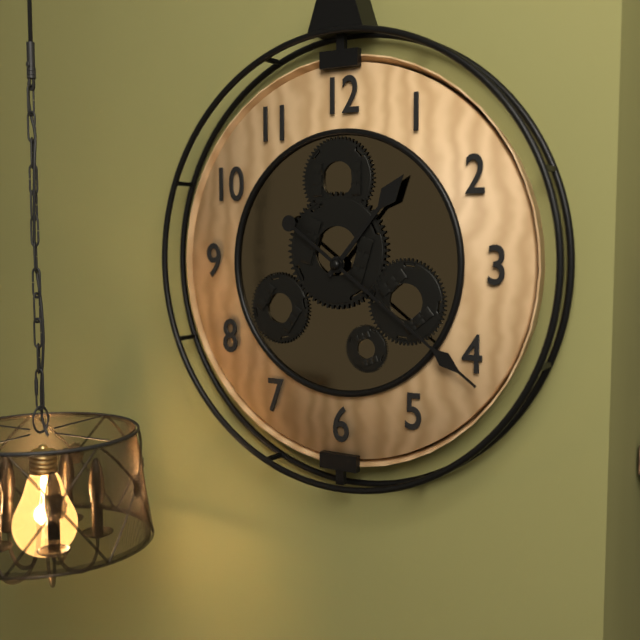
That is 1,21
